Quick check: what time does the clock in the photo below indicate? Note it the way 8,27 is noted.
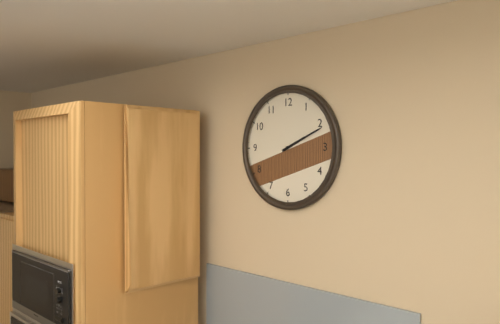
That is 2,11
